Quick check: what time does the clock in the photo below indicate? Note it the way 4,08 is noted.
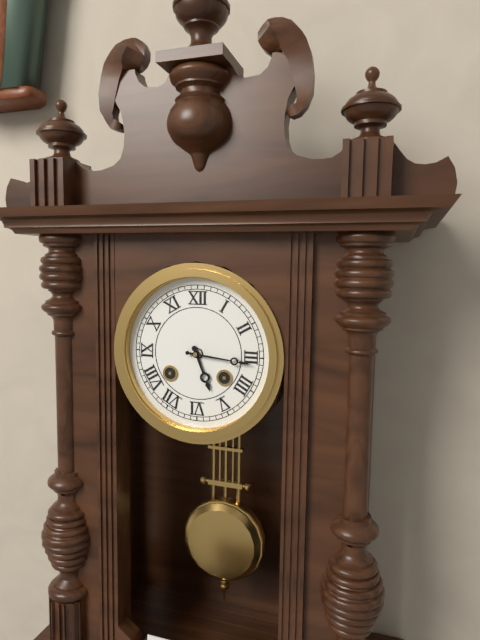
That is 5,16
